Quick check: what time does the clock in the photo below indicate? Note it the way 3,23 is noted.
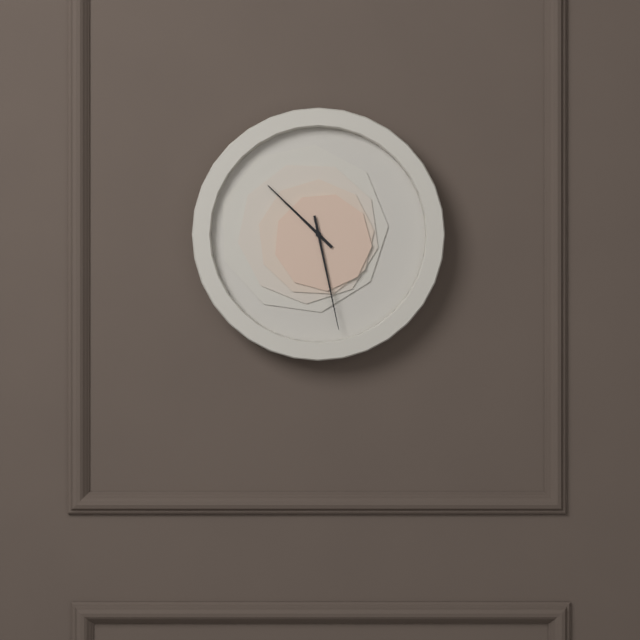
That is 10,28
